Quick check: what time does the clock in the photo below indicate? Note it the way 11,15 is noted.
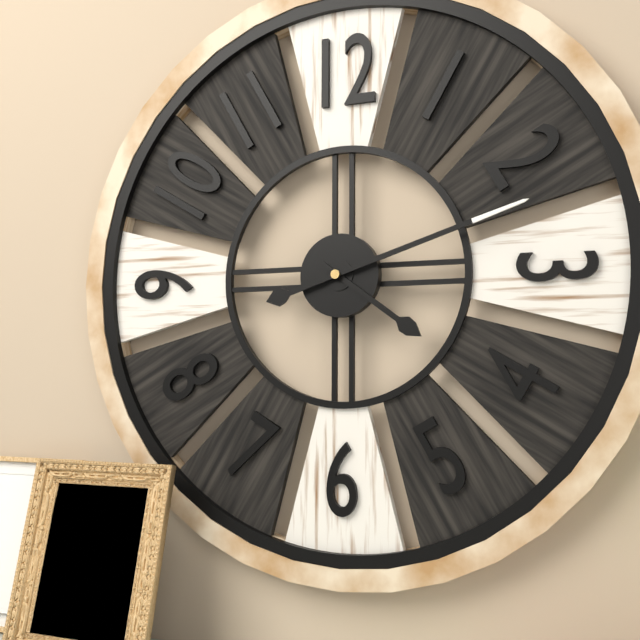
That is 4,12
